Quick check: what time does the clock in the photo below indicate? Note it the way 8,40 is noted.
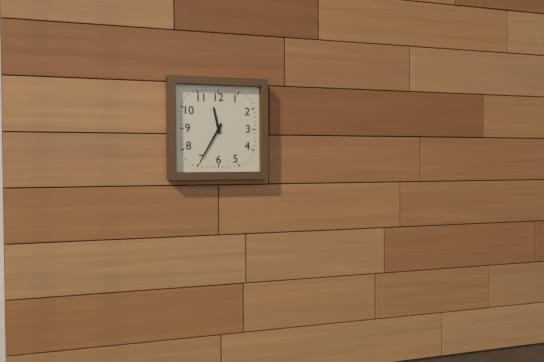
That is 11,35
